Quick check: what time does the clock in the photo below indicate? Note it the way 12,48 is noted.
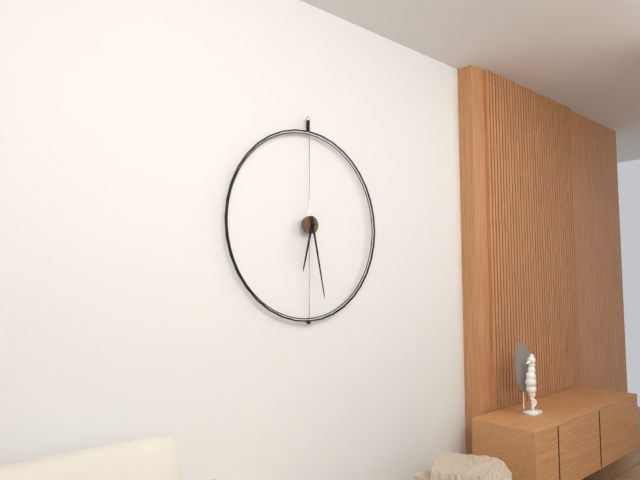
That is 6,28
